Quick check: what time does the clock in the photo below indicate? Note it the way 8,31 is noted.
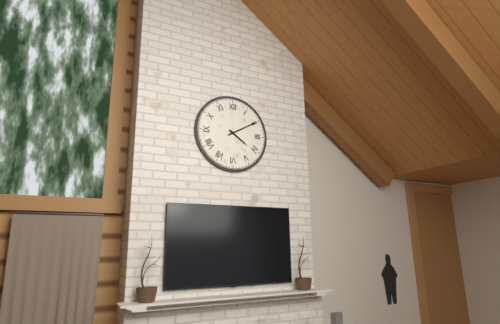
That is 4,10
